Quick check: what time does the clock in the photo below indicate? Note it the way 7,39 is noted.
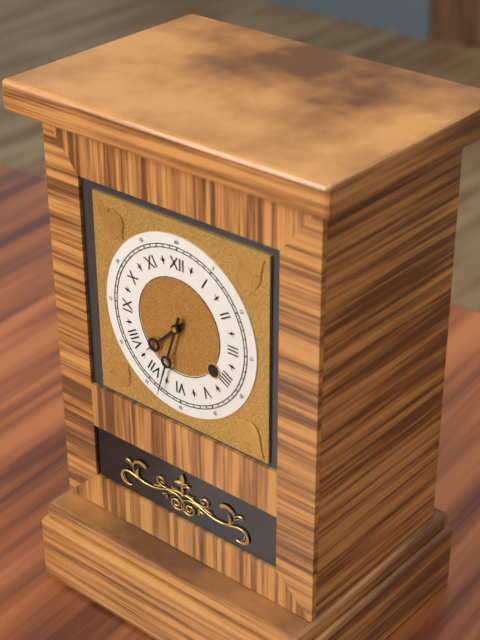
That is 7,33
